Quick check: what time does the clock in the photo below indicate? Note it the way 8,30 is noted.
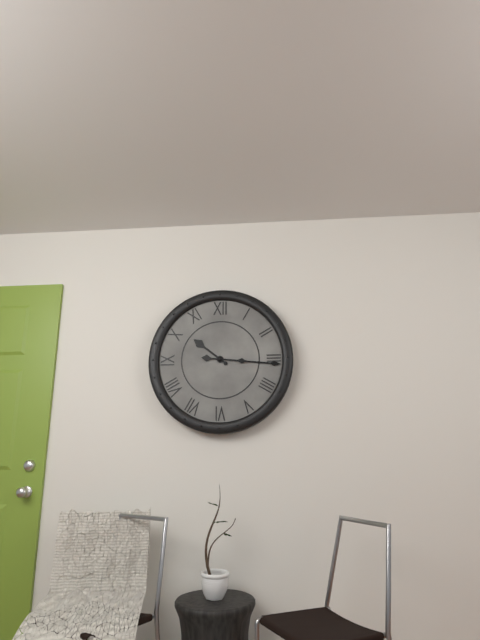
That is 10,16
